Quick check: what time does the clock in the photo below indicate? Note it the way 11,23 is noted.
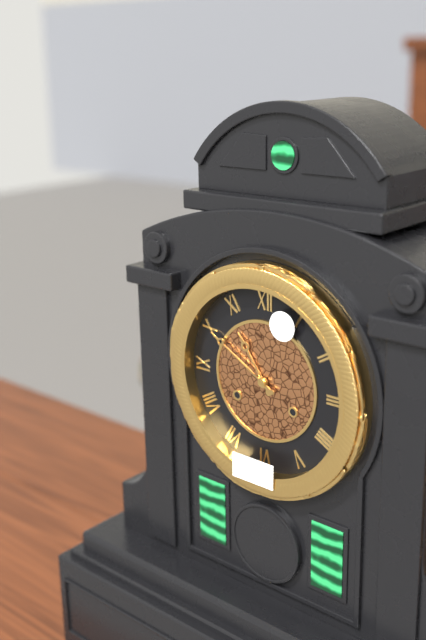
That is 10,50
